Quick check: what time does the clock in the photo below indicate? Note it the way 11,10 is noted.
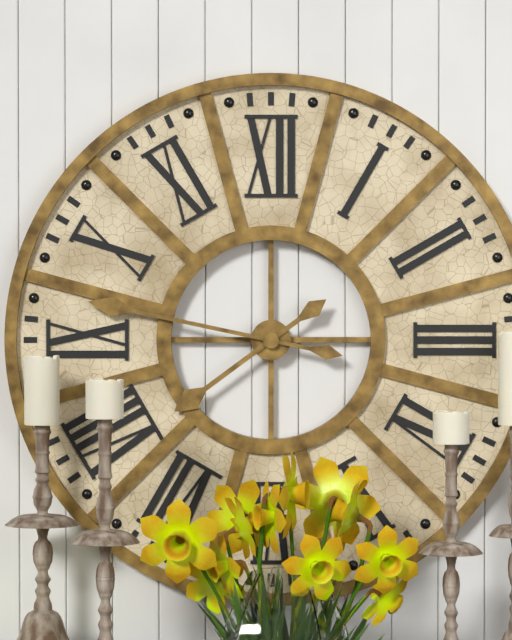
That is 7,47
